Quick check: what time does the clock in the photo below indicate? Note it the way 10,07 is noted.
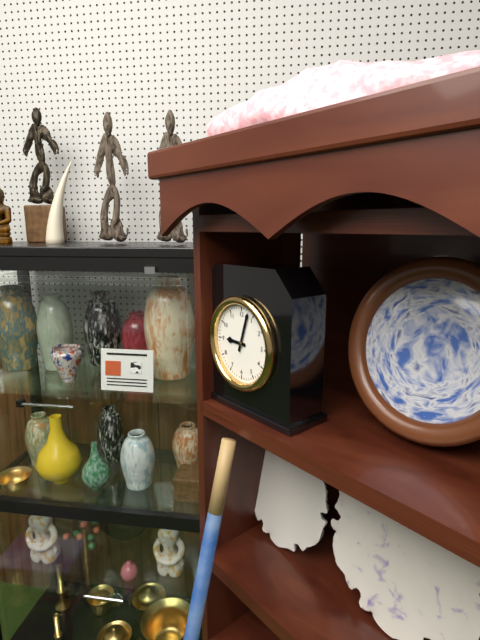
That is 9,03
